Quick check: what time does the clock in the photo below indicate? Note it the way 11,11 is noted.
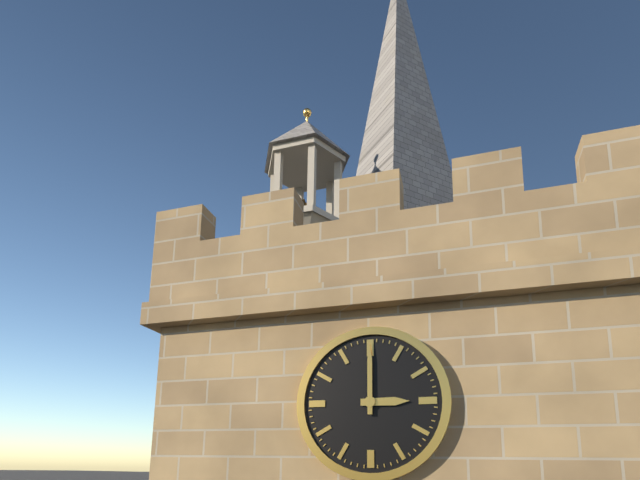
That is 3,00
